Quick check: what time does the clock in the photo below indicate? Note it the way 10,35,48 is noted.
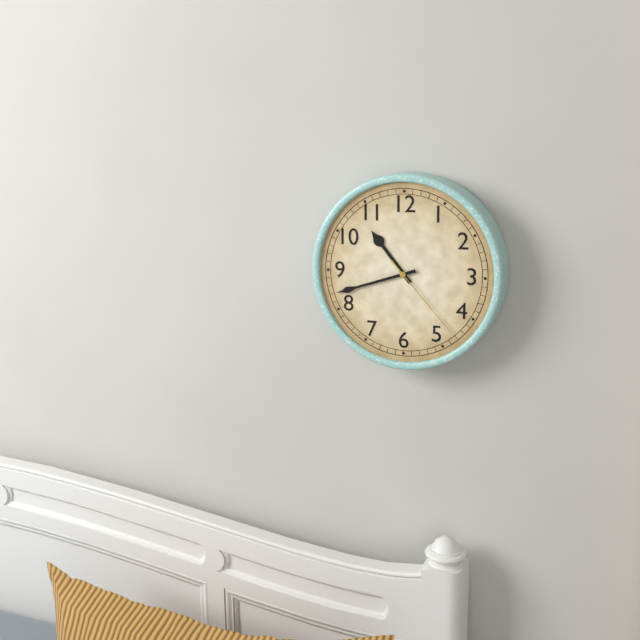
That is 10,42,23
